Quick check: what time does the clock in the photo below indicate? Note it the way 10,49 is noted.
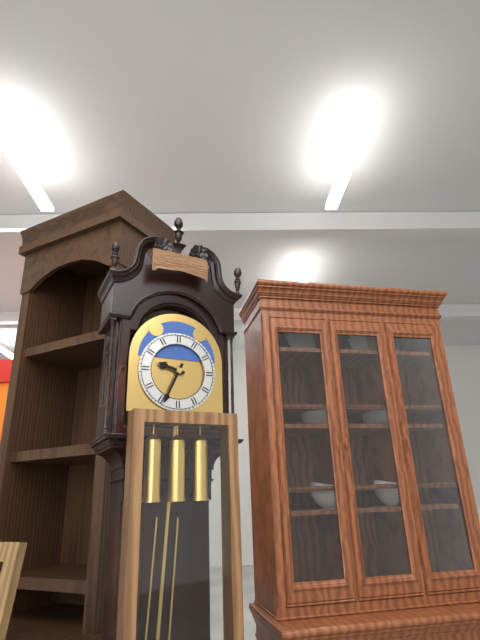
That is 9,34
